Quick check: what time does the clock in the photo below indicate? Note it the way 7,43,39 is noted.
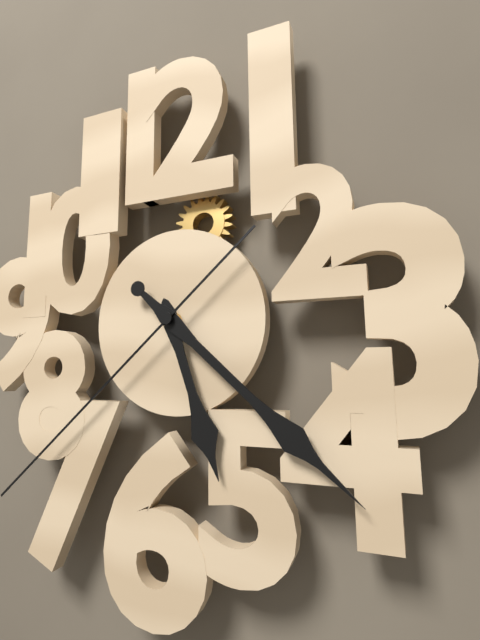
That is 5,22,38
